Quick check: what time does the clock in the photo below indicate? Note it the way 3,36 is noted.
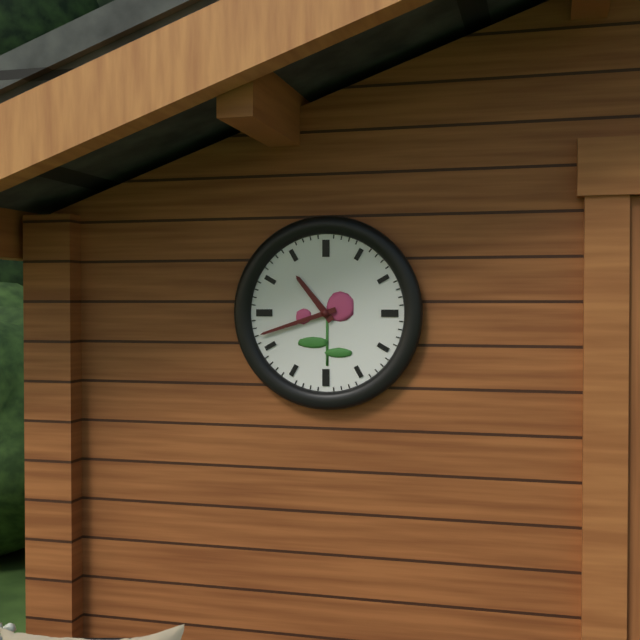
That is 10,42
